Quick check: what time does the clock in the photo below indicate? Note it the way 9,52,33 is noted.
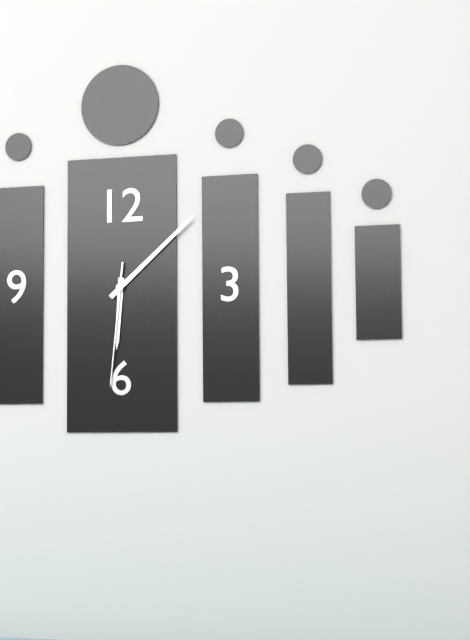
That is 6,08,31
